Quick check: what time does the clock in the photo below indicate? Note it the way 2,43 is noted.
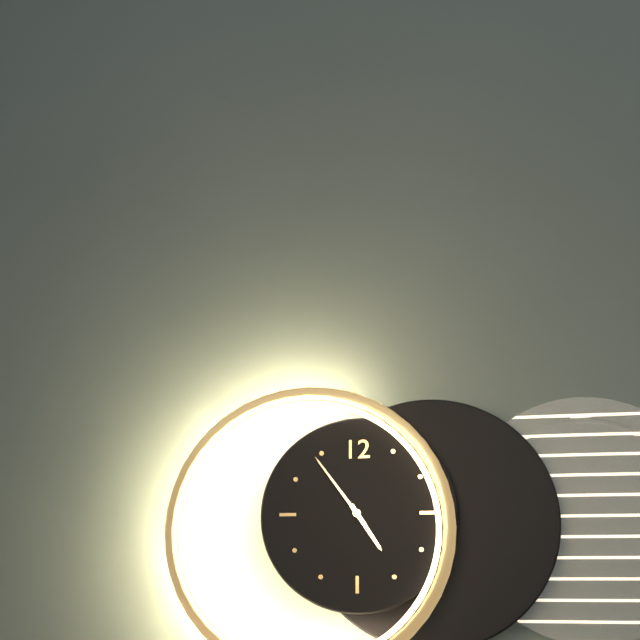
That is 4,54
